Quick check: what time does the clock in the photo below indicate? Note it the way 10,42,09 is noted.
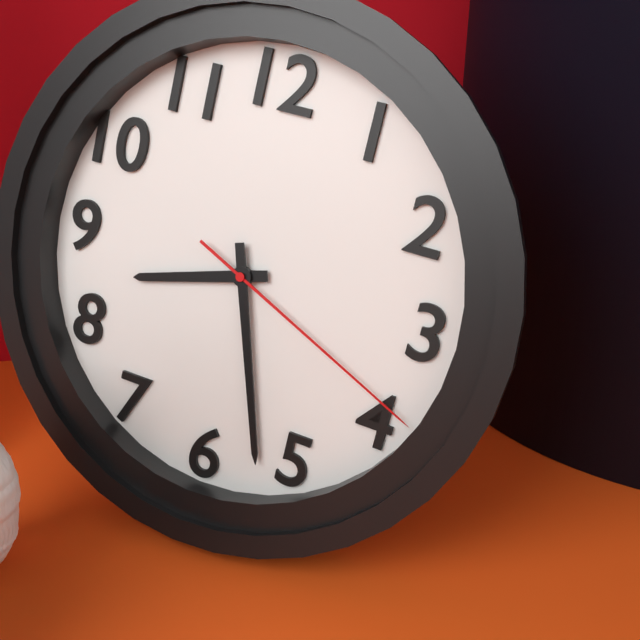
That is 8,27,19
